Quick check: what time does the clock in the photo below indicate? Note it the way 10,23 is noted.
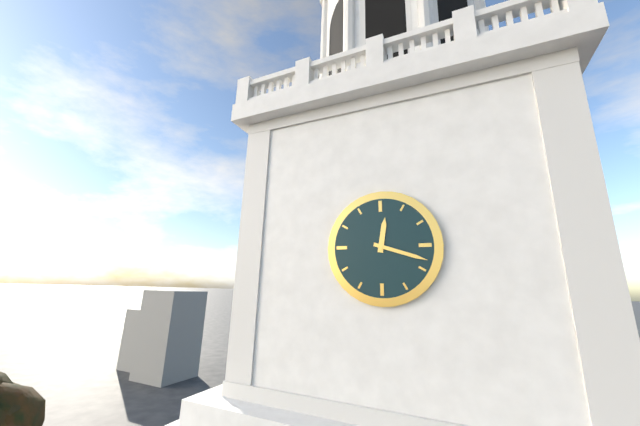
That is 12,18
